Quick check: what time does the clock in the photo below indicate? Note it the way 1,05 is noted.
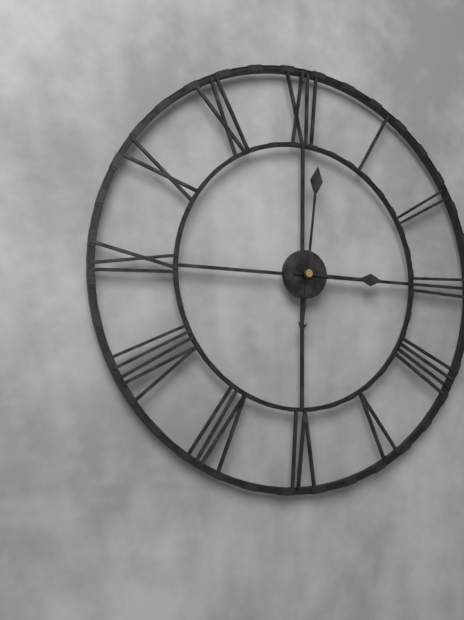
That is 3,01
